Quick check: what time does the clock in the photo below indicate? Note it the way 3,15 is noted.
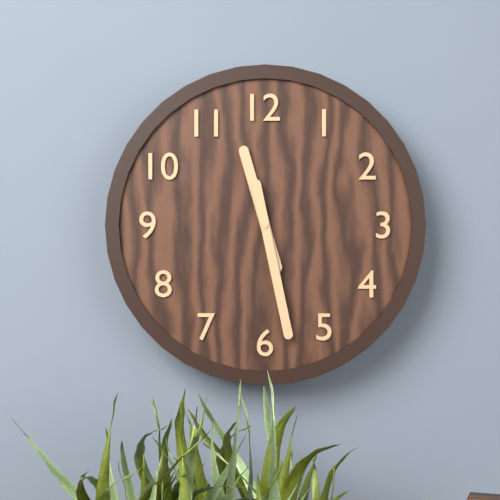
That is 11,28
